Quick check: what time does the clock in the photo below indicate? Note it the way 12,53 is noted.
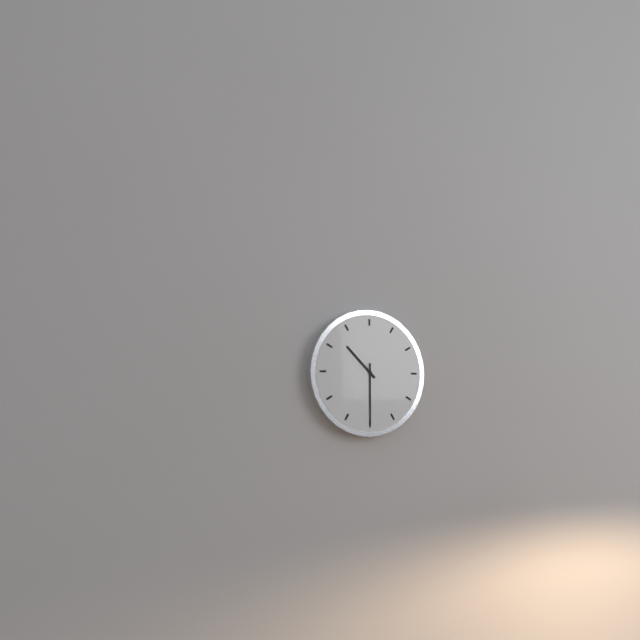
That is 10,30
